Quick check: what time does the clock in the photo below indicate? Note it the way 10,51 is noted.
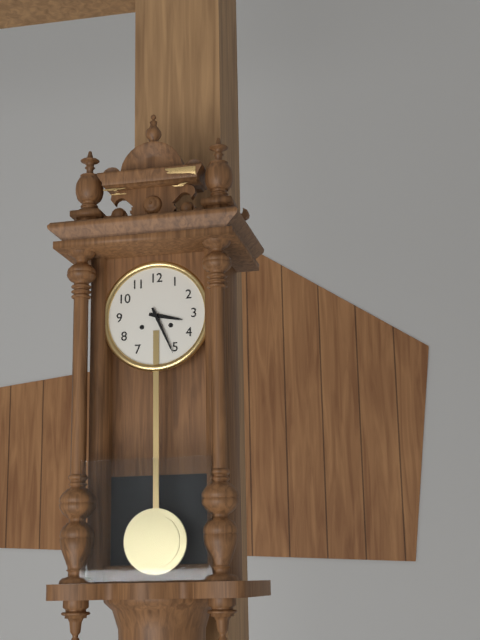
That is 3,26
